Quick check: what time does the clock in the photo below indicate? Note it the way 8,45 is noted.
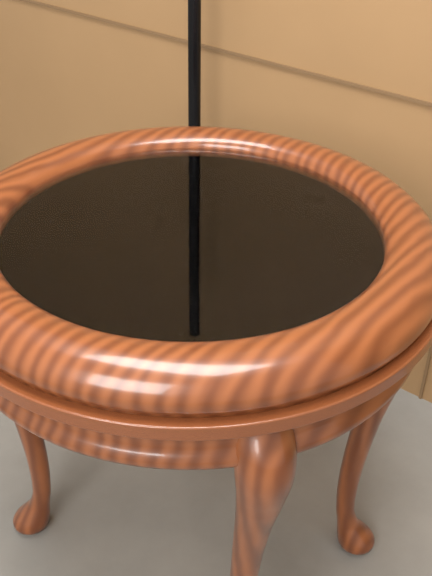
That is 2,42
